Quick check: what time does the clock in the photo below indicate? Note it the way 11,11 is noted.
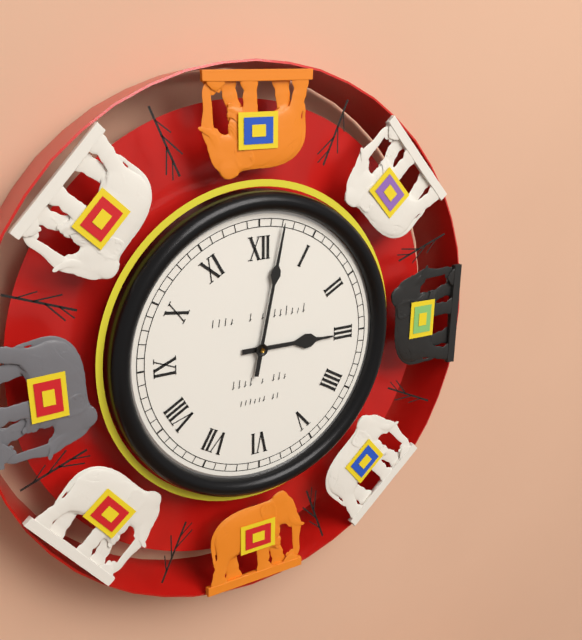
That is 3,02
